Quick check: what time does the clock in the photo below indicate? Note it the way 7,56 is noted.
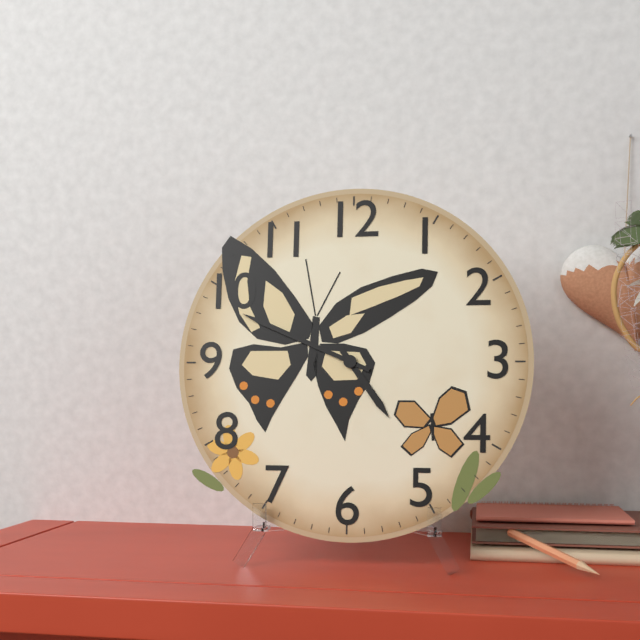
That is 4,49
